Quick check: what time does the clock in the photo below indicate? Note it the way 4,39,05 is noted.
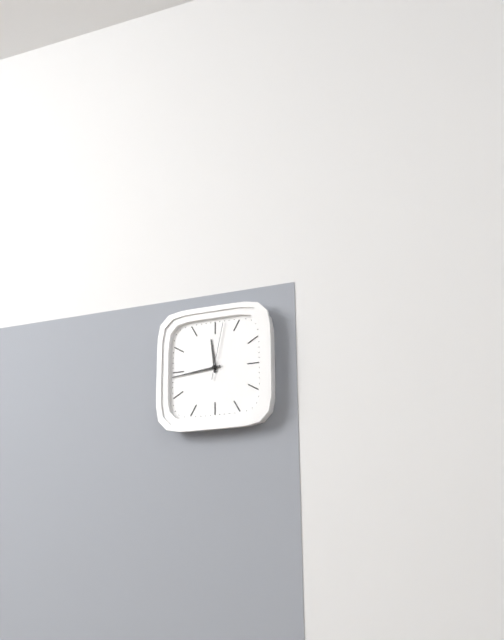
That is 11,44,02
